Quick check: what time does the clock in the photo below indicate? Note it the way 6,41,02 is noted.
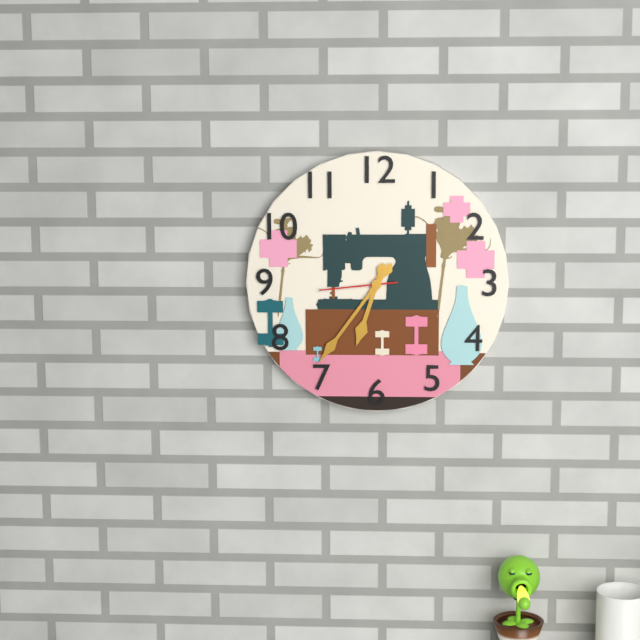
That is 6,36,44
